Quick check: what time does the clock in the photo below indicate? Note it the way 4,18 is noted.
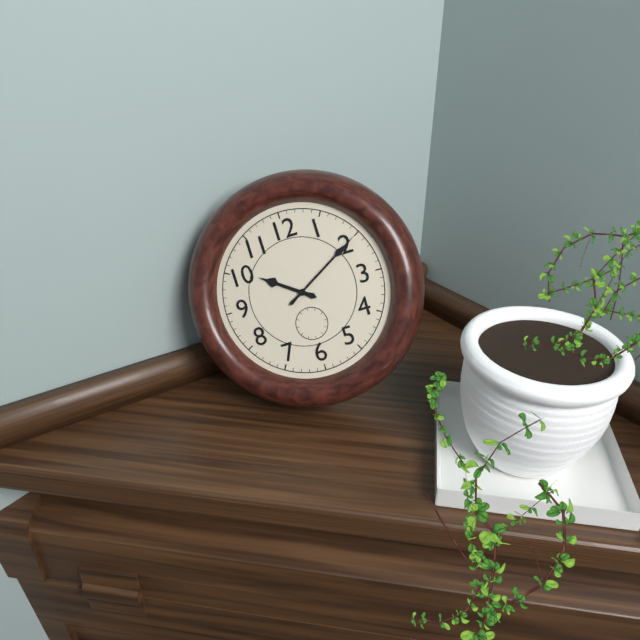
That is 10,10
